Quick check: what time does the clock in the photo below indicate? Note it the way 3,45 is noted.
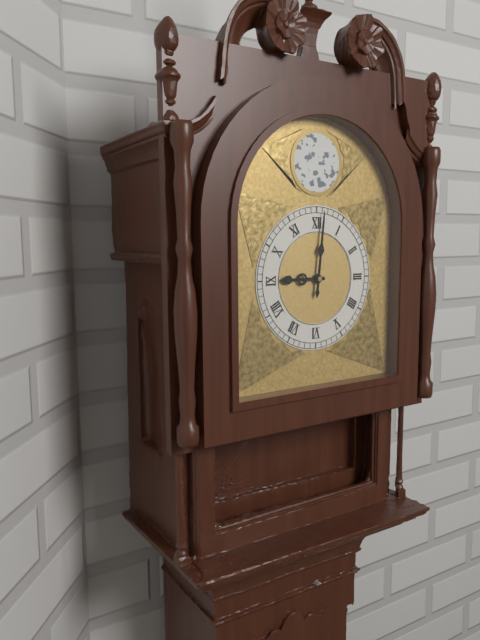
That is 9,01
